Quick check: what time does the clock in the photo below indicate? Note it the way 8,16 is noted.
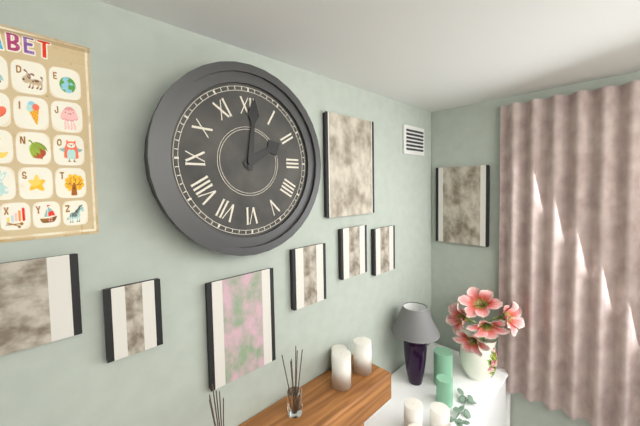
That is 2,01
